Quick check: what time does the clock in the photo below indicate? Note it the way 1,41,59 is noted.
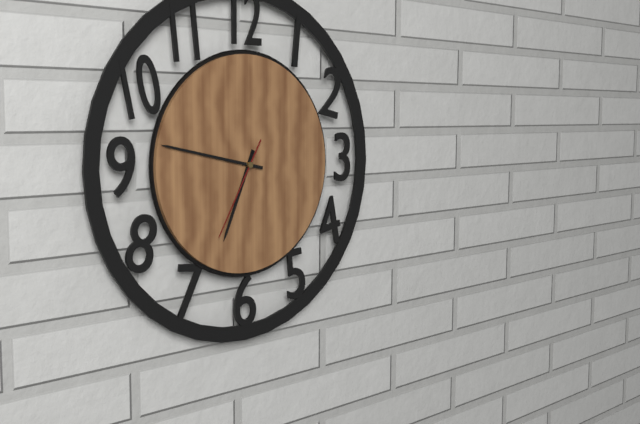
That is 6,47,35
